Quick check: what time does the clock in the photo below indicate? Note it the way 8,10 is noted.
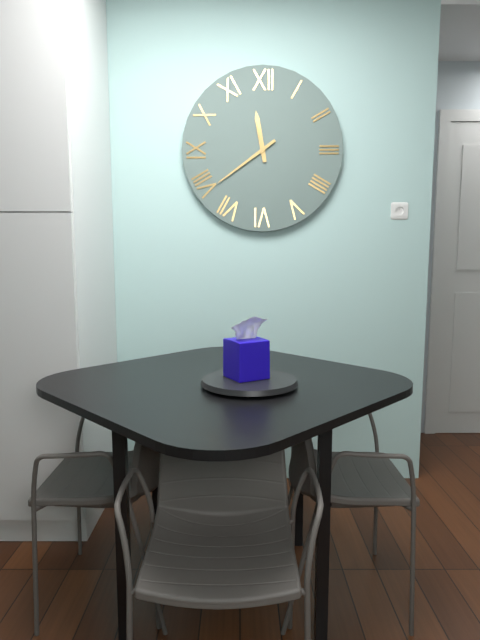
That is 11,39
